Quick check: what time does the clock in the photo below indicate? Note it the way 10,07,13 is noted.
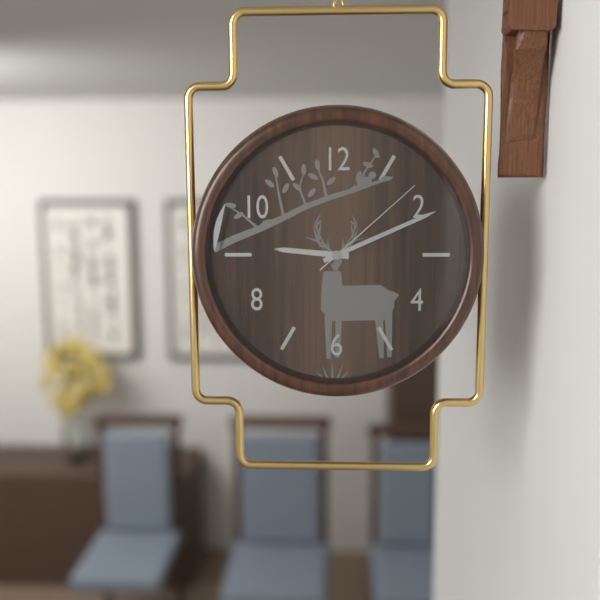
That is 9,11,08
